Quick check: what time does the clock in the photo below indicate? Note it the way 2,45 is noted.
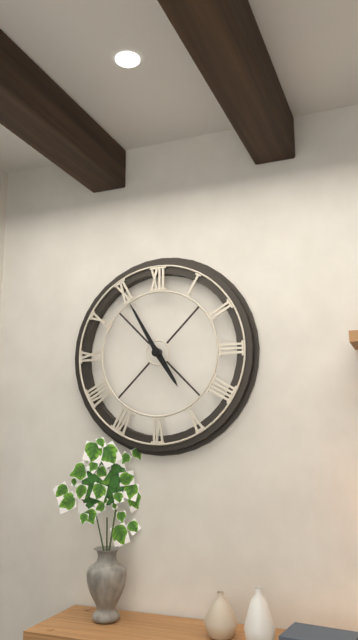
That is 4,55
